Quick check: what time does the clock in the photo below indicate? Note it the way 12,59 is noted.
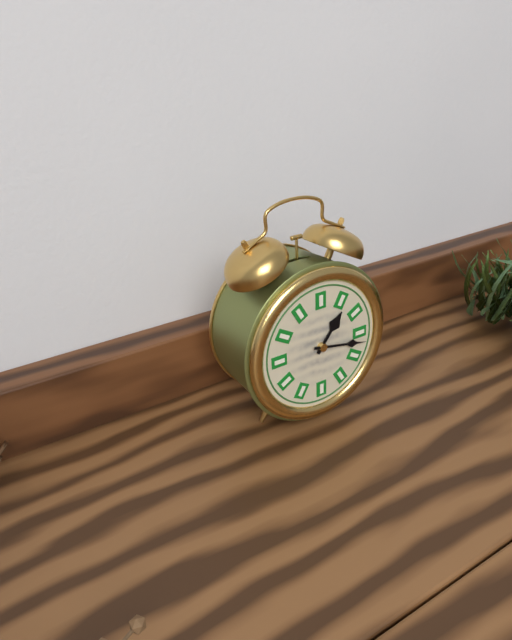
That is 1,17
